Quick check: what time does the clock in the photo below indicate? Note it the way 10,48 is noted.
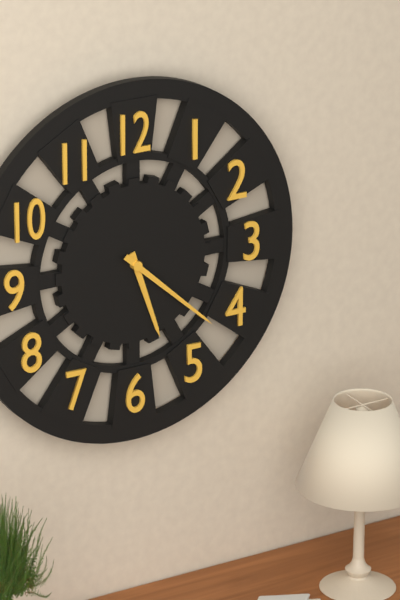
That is 5,22
